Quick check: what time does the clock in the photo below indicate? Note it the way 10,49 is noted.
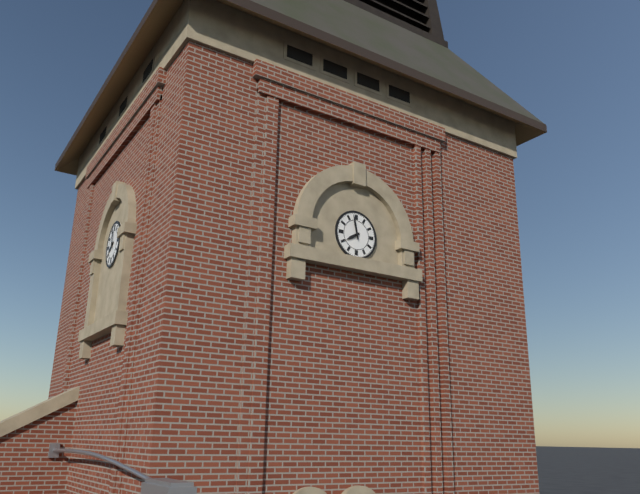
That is 7,58
